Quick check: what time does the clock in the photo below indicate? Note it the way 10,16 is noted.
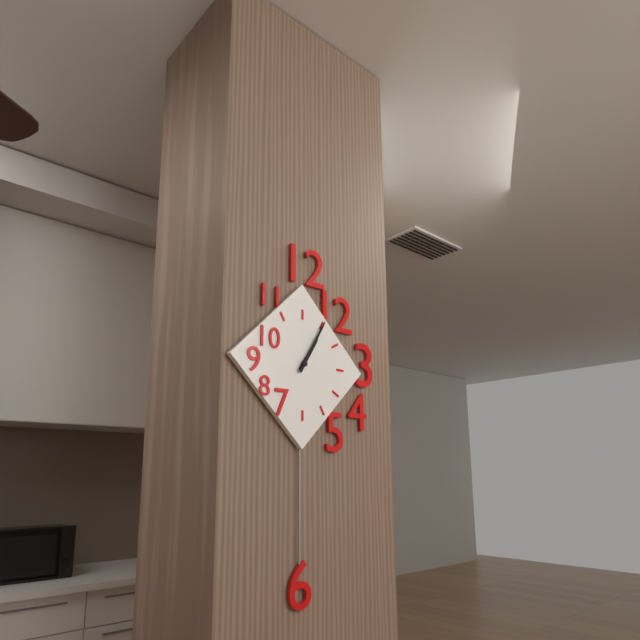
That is 1,05
